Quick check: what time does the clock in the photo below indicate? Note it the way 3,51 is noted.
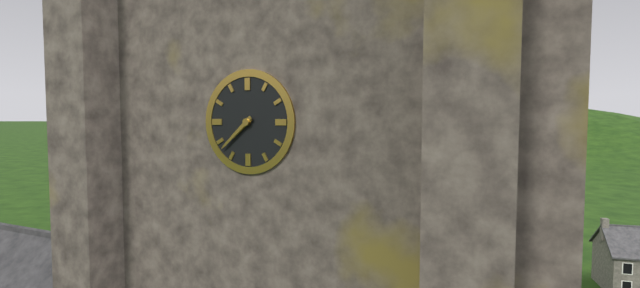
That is 7,38
